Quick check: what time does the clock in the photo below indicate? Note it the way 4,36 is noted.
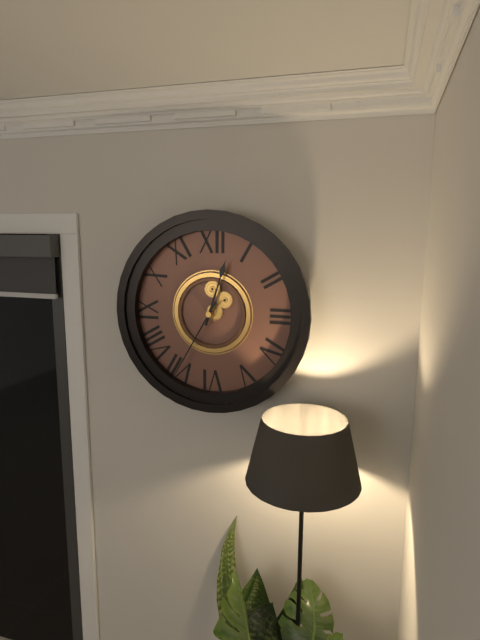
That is 12,35
